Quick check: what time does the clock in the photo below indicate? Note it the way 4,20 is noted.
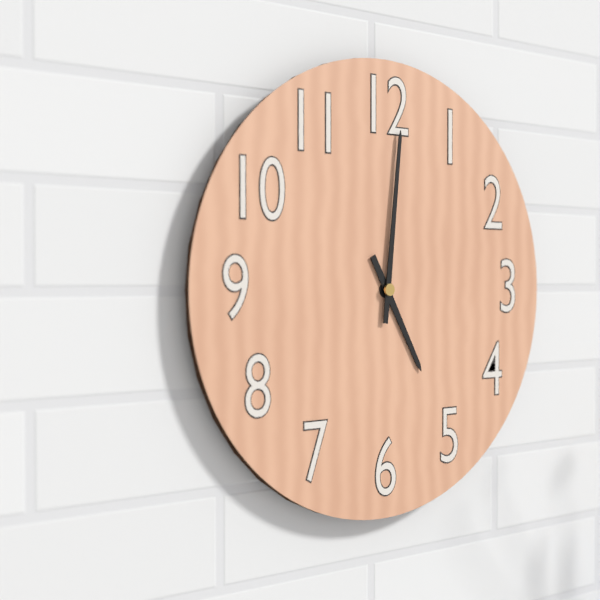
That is 5,01
